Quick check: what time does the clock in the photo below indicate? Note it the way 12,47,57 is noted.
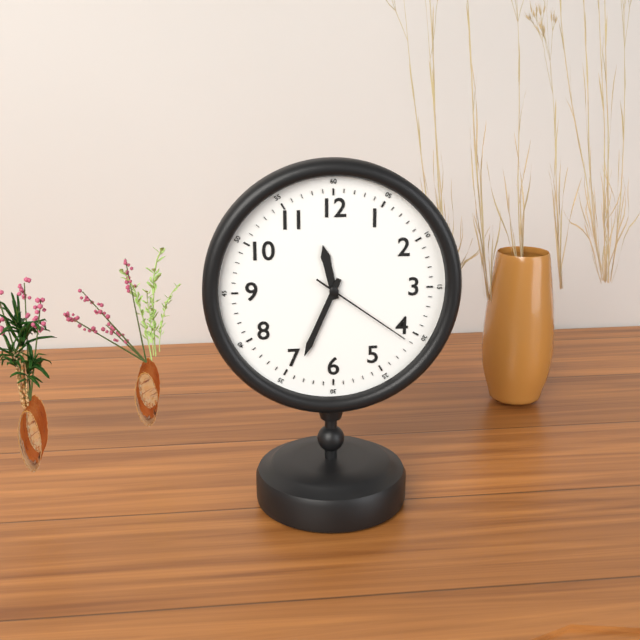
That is 11,34,21
